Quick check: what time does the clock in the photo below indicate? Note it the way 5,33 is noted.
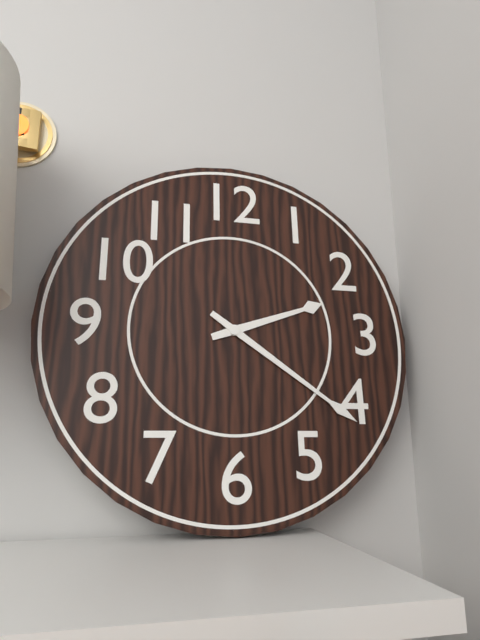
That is 2,21
